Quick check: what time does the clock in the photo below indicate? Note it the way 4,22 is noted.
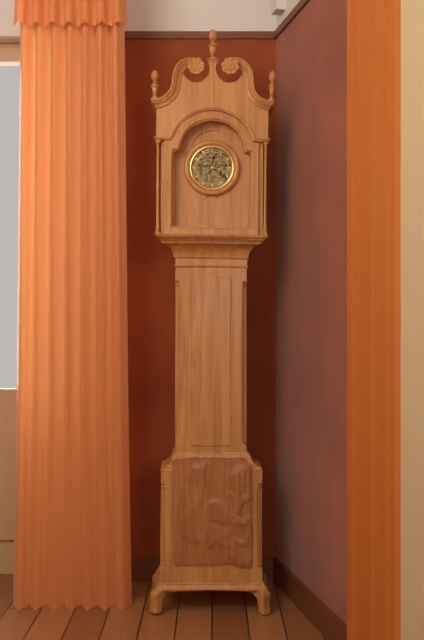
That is 12,21
